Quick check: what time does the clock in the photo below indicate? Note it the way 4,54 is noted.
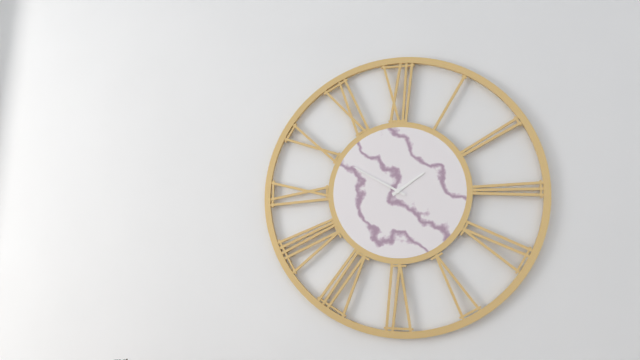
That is 1,50
